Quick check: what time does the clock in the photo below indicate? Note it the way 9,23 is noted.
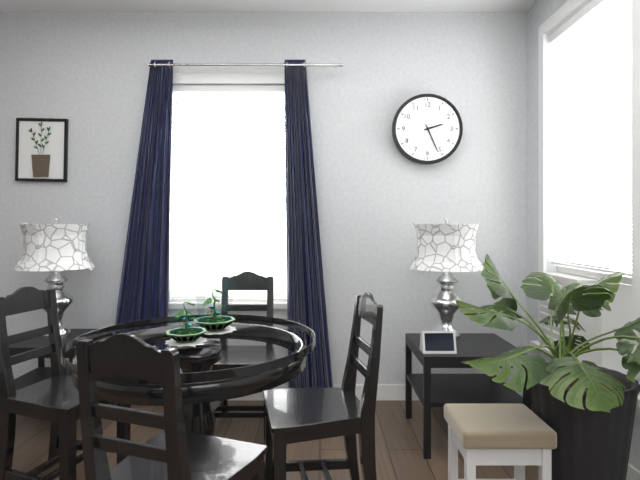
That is 2,26
